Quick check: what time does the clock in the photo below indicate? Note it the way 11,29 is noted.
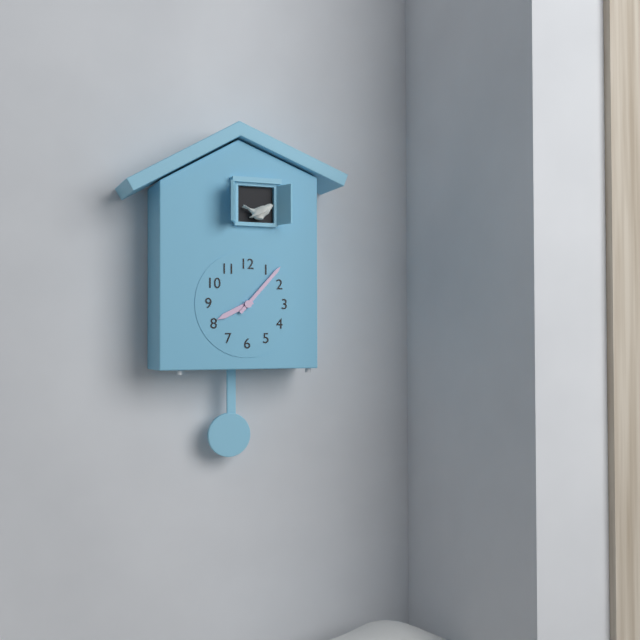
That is 8,07
